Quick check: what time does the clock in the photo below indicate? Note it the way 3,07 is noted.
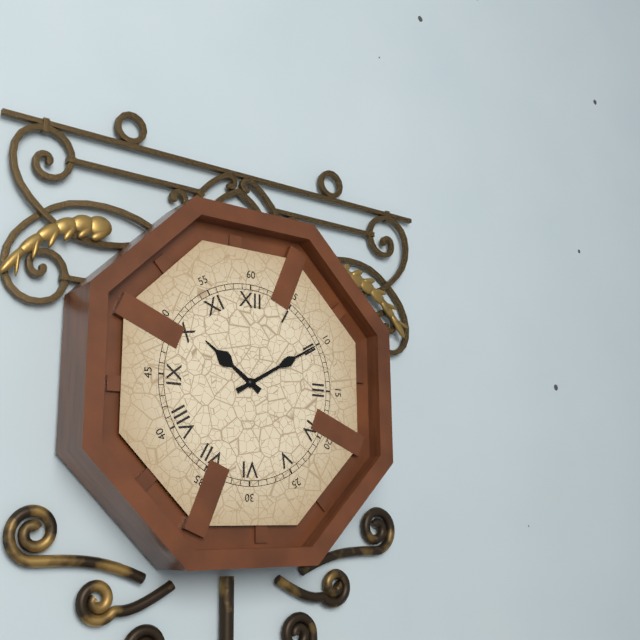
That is 10,10
